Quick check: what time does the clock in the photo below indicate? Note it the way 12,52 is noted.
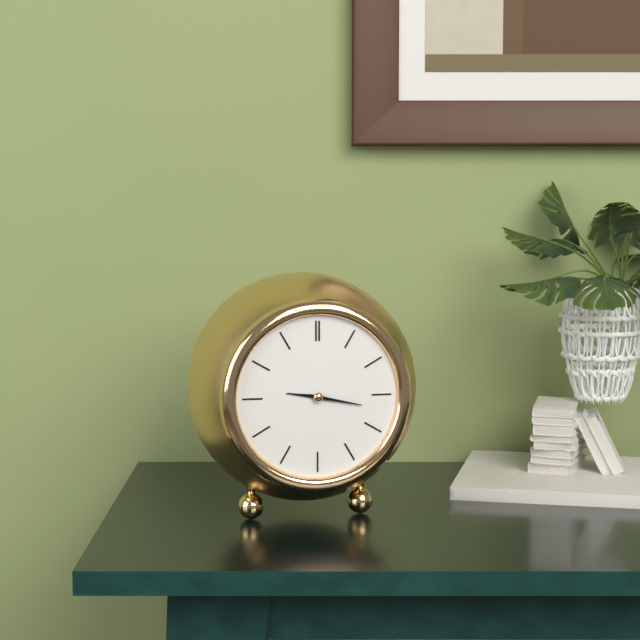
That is 9,17
